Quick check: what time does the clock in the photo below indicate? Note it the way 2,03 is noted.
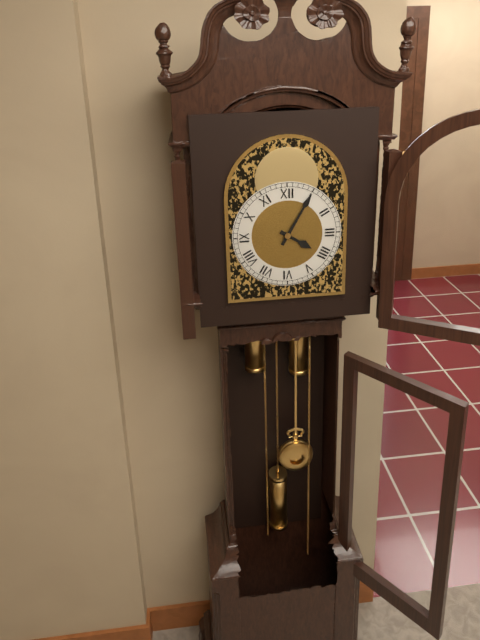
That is 4,05
